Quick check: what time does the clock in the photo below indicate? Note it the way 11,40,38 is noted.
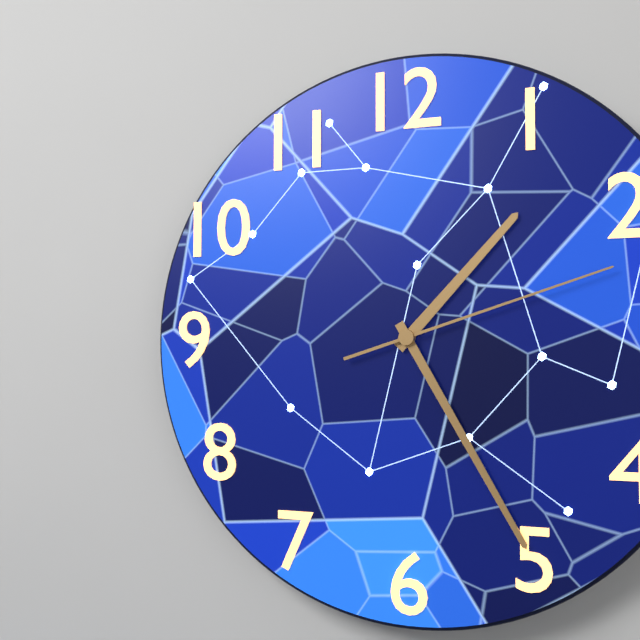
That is 1,25,12
